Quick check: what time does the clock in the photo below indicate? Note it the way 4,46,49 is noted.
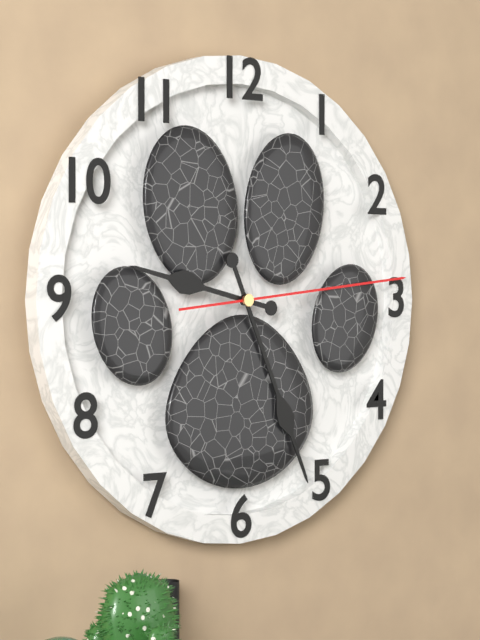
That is 9,26,14
